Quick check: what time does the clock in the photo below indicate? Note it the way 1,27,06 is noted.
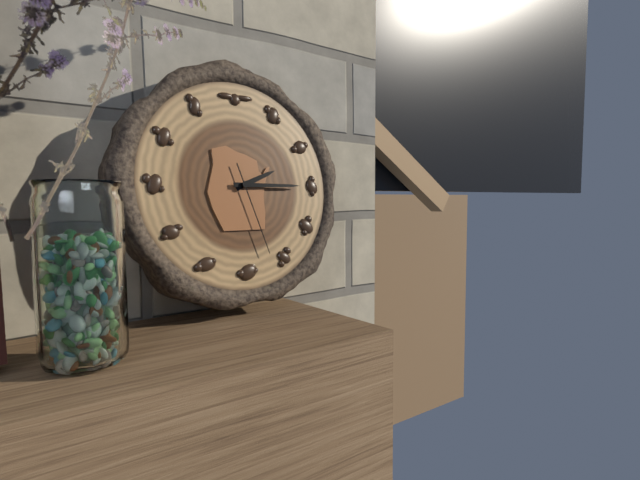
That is 2,15,27
